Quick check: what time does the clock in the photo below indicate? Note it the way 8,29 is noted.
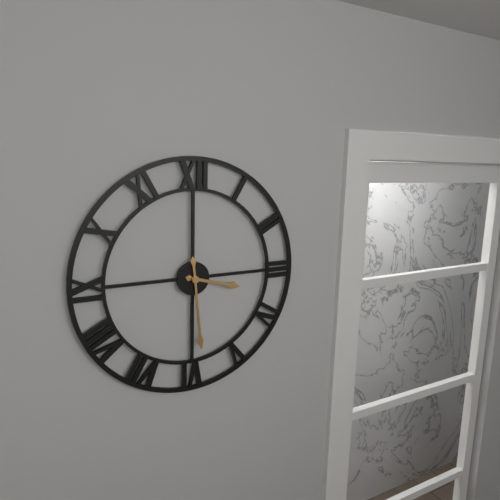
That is 3,29
